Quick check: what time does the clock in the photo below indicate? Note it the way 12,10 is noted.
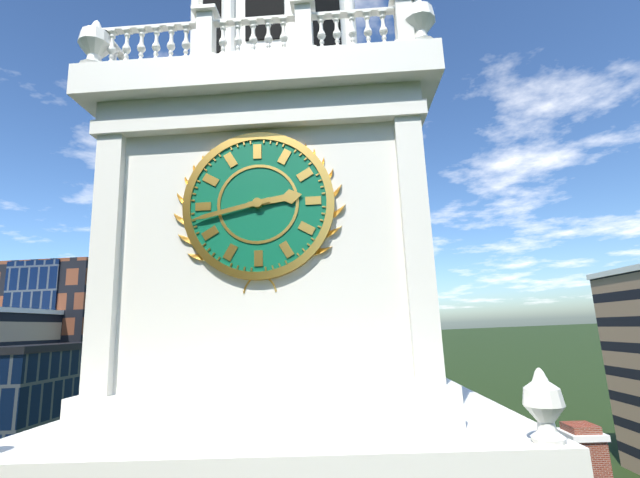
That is 2,43
